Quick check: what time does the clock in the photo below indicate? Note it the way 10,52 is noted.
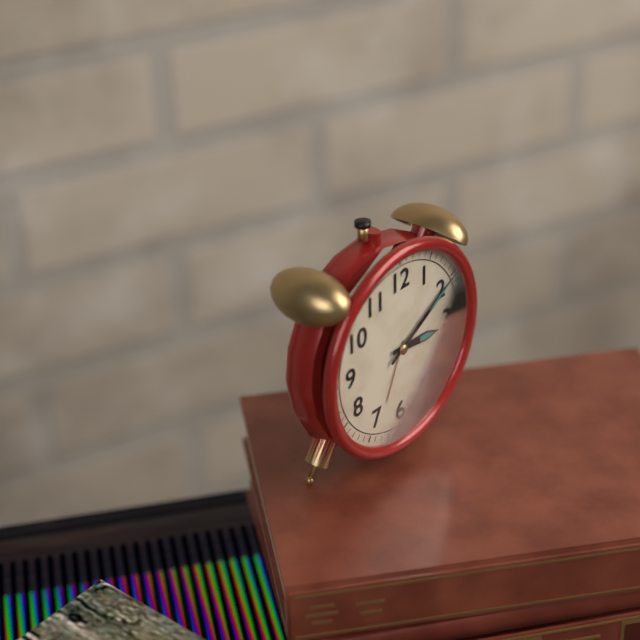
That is 3,10
